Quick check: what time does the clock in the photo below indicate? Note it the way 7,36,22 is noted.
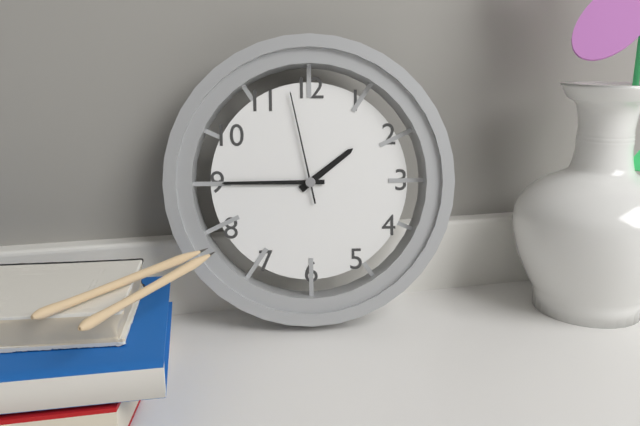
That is 1,45,58
